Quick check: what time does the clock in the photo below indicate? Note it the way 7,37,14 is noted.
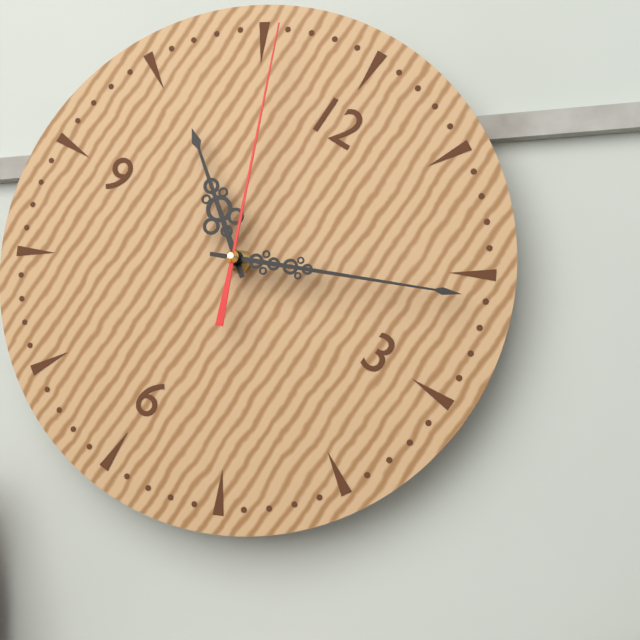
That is 10,11,56
